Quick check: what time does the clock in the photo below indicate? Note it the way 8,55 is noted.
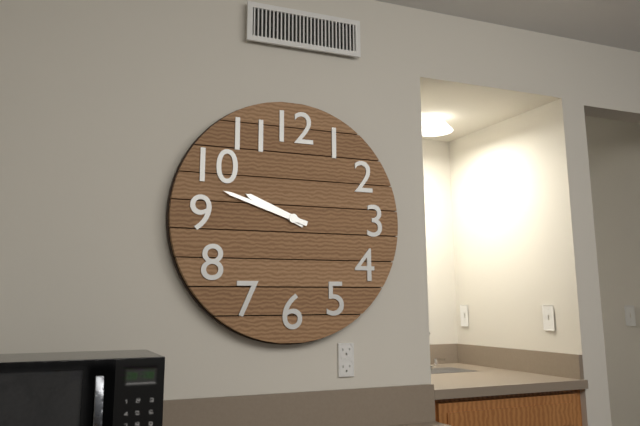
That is 9,48
